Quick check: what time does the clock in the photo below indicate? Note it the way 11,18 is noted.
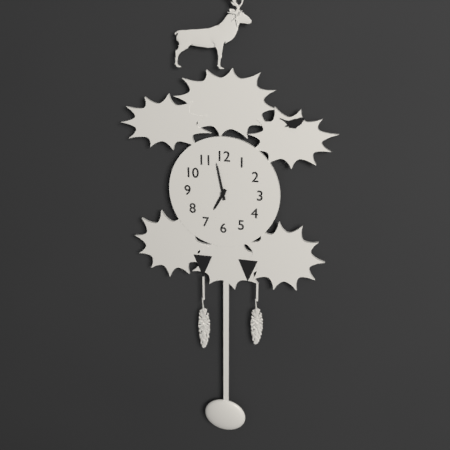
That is 6,58
